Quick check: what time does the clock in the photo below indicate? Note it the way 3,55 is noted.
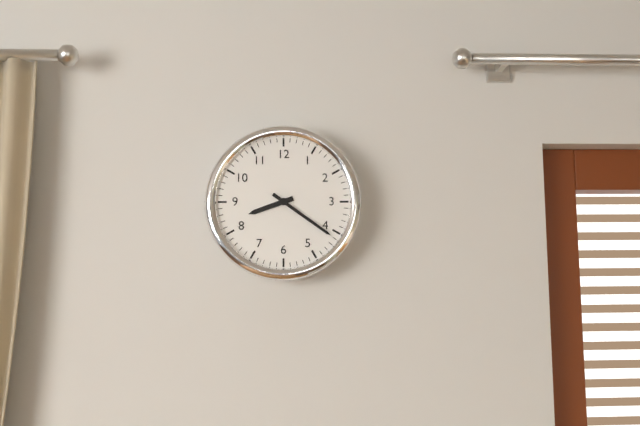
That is 8,21
